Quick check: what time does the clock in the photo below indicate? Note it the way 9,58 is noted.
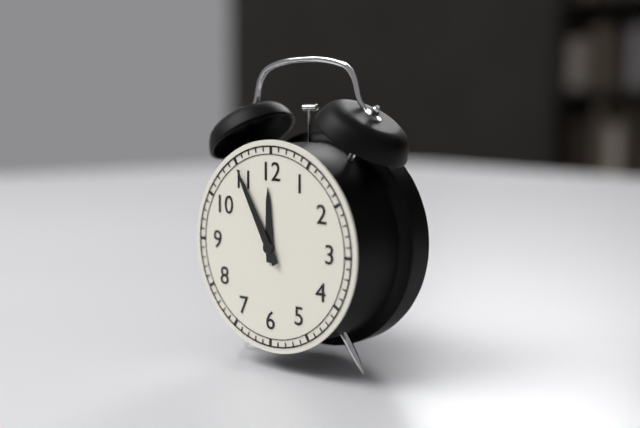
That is 11,55
